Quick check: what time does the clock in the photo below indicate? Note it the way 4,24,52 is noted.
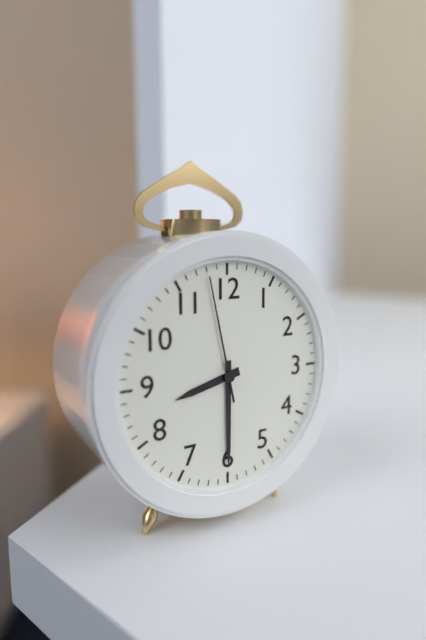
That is 8,30,58
